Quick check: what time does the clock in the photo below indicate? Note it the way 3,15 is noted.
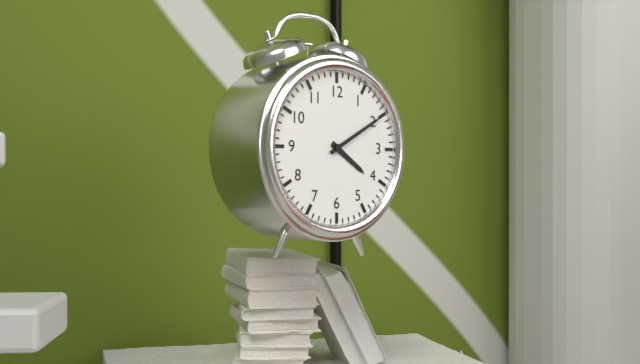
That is 4,10
